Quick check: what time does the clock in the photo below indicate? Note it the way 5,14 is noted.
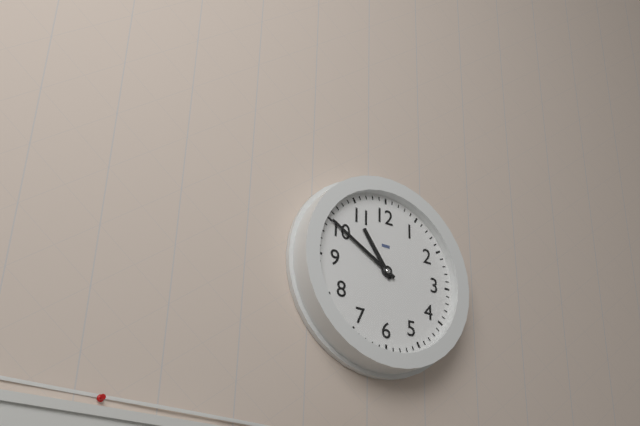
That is 10,50
